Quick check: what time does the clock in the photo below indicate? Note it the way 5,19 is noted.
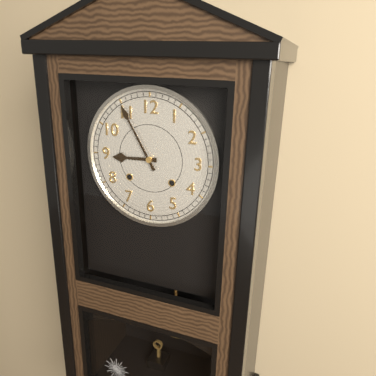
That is 8,55
